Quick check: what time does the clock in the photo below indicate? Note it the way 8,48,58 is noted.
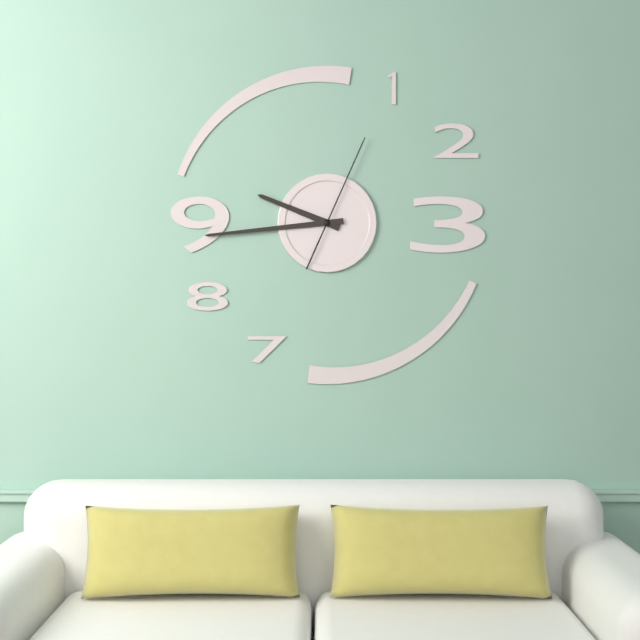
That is 9,44,04
